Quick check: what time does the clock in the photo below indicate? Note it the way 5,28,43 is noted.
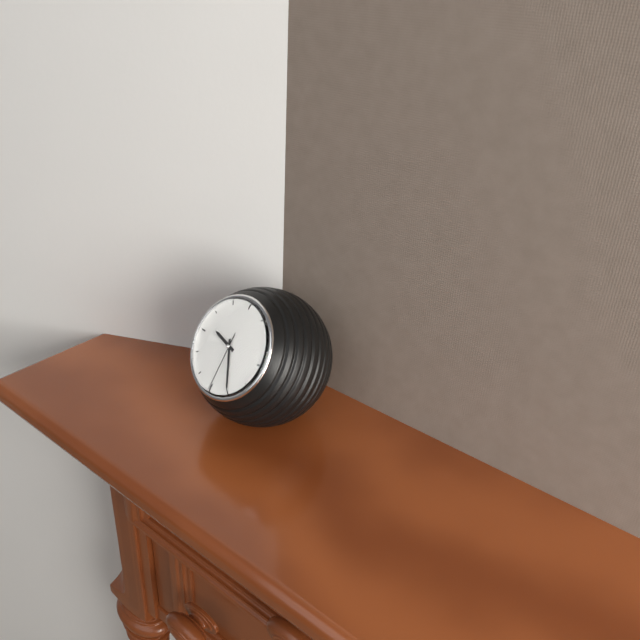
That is 9,25,30
